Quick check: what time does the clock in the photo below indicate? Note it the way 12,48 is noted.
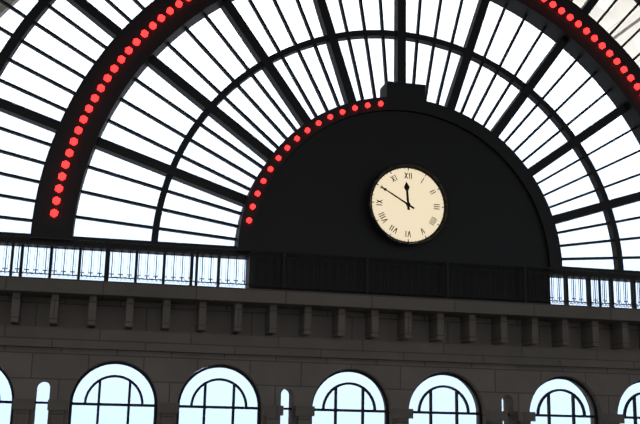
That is 11,50
